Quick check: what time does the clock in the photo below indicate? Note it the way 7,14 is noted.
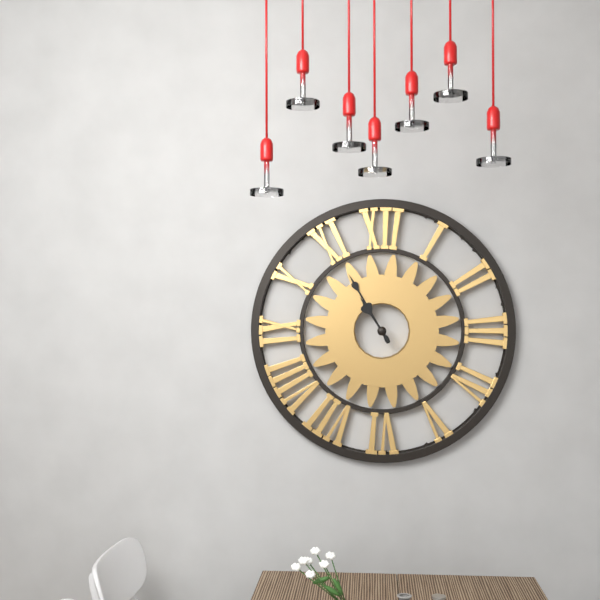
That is 10,55
